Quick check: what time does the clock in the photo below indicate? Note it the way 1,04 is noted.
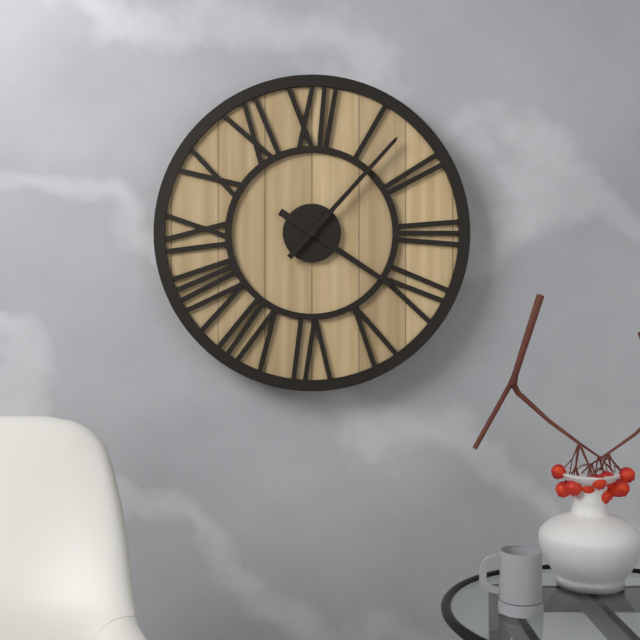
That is 4,07
